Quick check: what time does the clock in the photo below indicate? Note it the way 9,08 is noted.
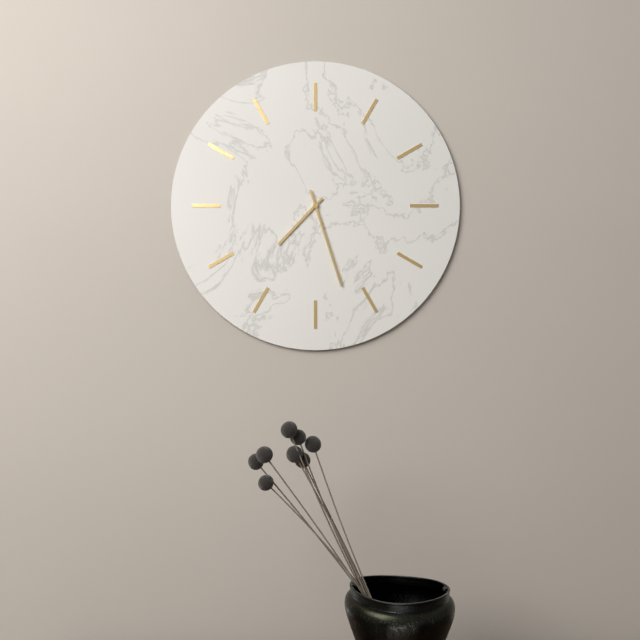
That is 7,27
